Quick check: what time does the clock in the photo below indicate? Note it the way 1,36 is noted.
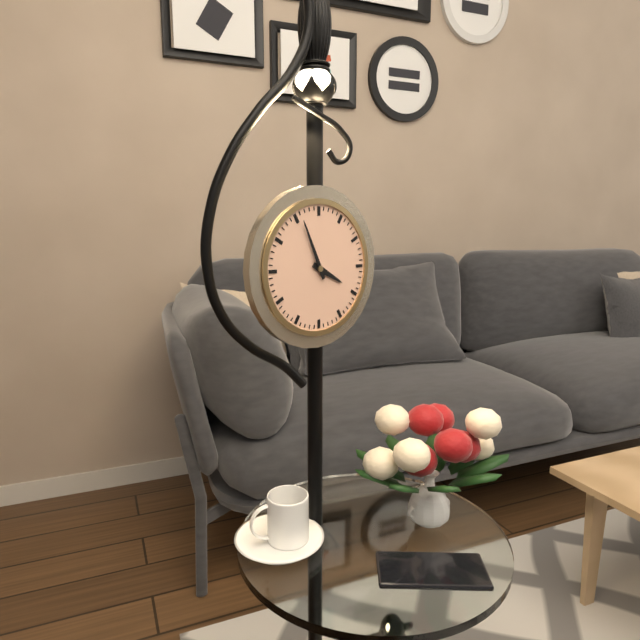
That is 3,56
